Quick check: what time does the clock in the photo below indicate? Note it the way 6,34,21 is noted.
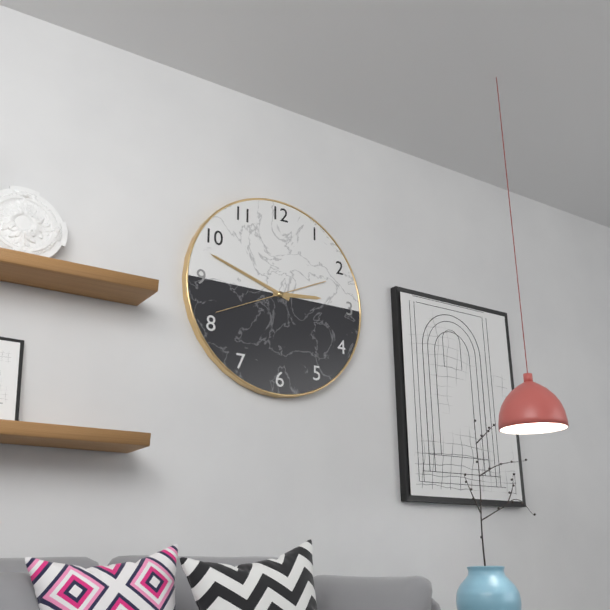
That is 2,48,41
